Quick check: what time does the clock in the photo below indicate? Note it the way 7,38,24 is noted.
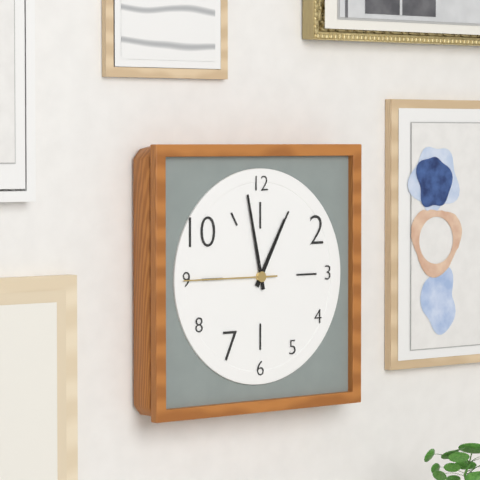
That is 12,58,45
